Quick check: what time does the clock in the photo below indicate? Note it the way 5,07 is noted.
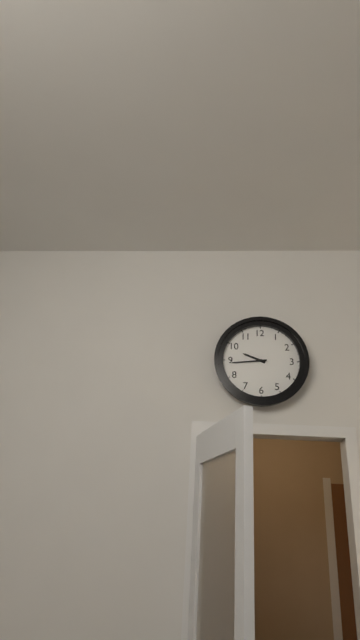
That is 9,44
